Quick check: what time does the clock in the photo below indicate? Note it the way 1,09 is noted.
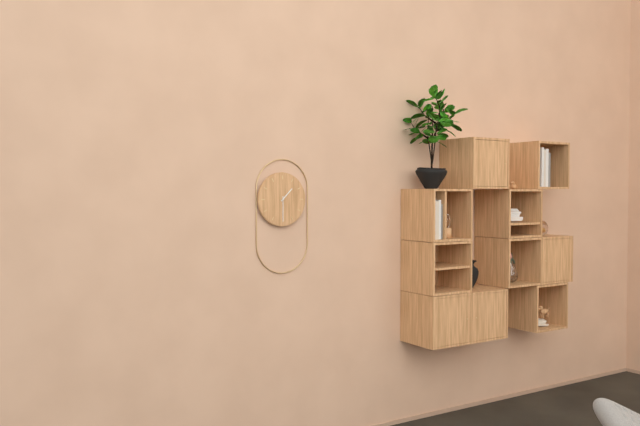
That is 1,30
